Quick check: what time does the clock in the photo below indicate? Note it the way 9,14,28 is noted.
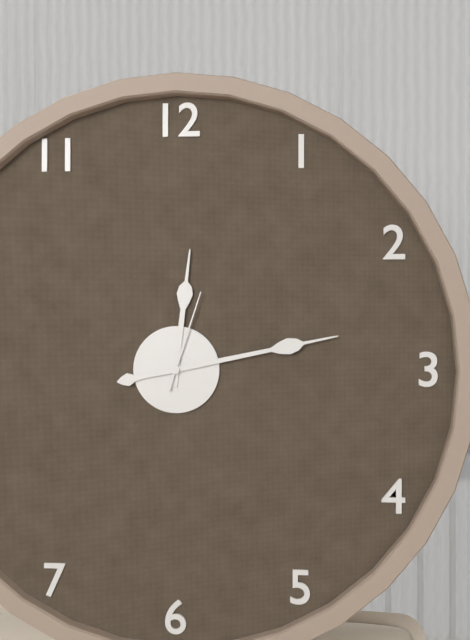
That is 12,13,03
